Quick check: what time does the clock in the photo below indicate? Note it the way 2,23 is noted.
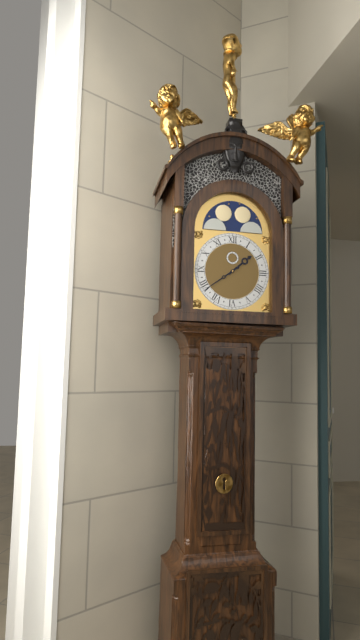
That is 1,39
